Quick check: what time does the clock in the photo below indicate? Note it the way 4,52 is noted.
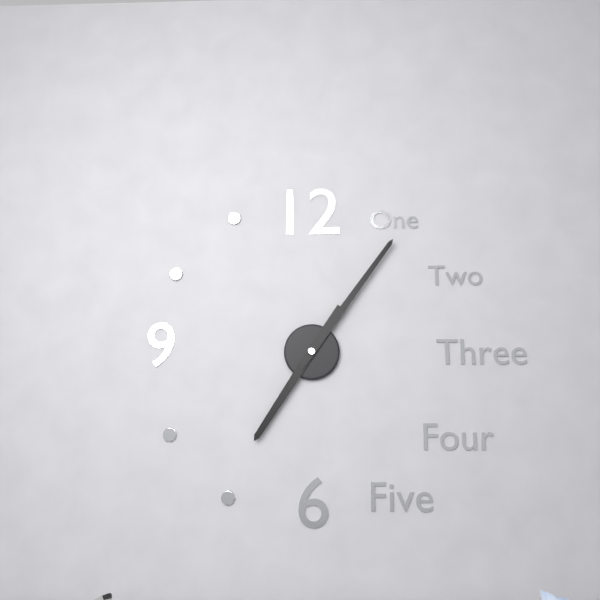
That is 7,06
